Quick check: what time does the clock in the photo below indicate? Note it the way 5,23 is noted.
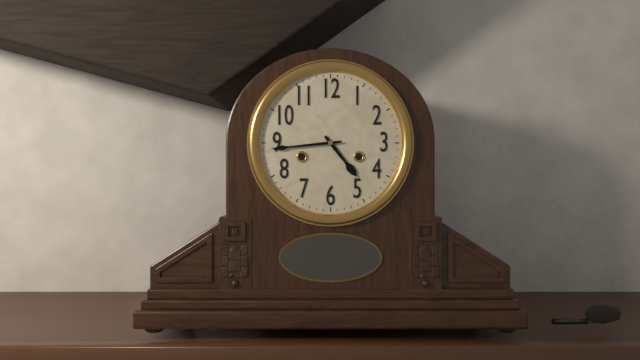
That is 4,44
